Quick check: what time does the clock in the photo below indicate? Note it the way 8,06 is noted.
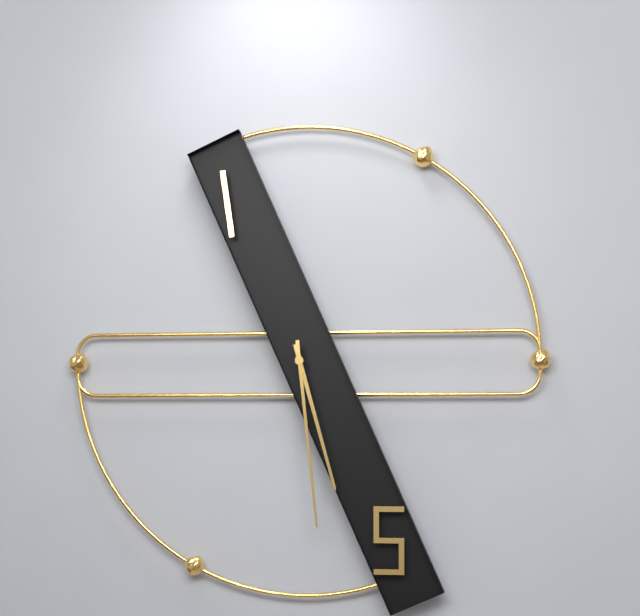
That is 5,29
